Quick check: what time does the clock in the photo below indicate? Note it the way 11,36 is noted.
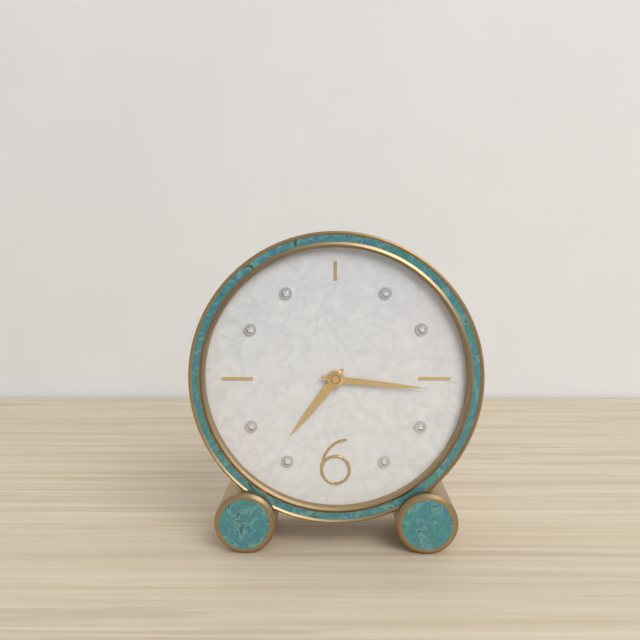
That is 7,16
